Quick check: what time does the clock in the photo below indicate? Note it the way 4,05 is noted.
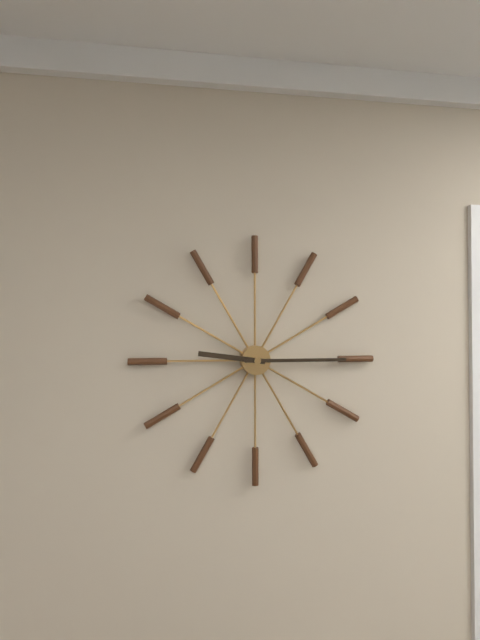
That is 9,15
